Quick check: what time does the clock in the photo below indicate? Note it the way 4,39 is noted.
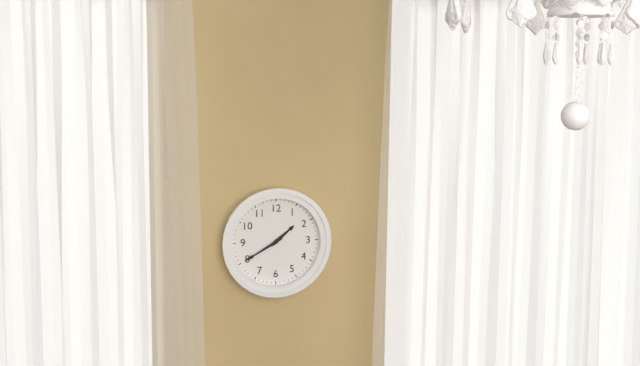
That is 1,40
